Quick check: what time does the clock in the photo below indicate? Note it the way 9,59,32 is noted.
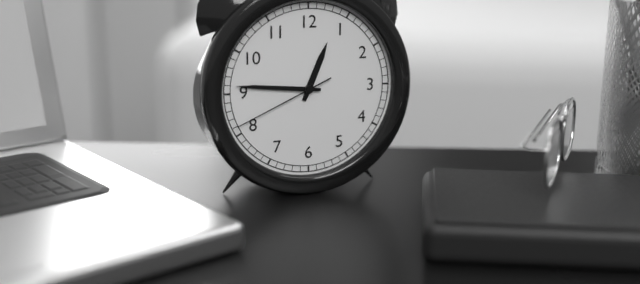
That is 12,46,41
